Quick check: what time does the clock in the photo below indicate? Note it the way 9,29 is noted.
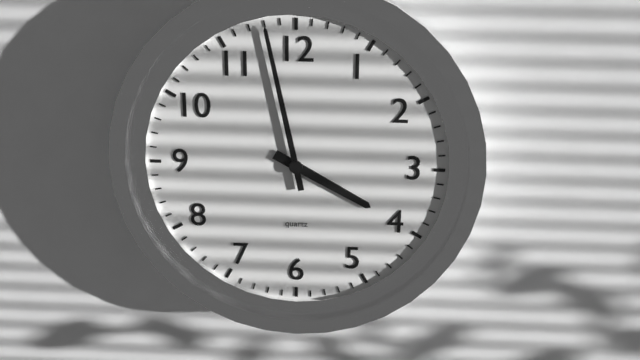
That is 3,58
